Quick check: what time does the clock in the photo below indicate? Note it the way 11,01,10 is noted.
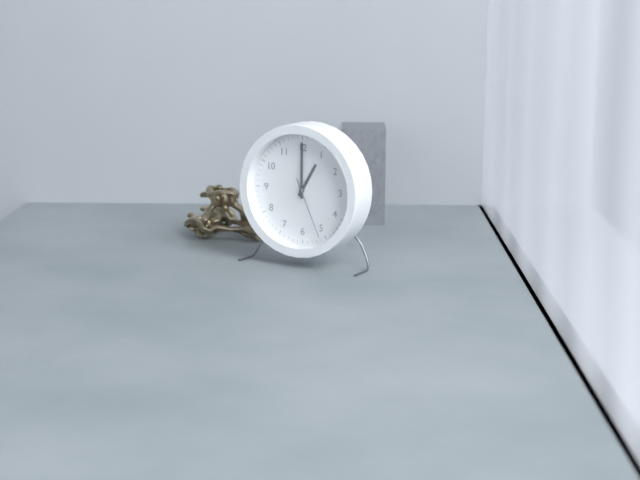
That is 1,00,26
